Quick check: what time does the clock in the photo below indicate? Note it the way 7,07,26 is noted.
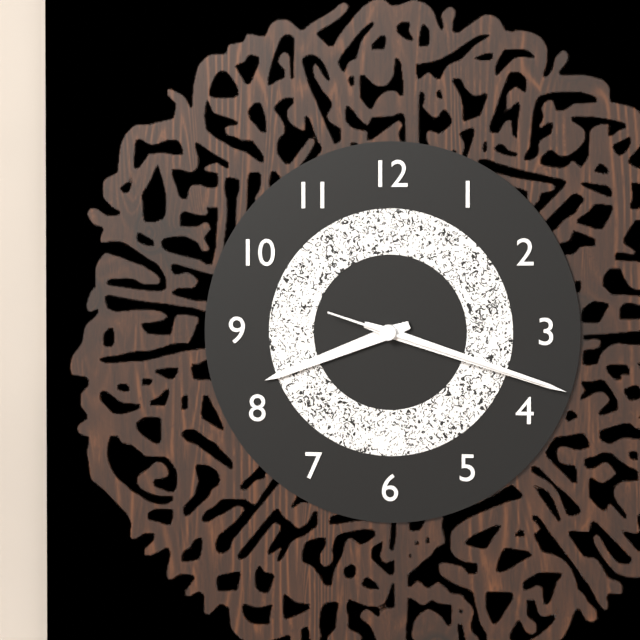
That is 8,18,18
